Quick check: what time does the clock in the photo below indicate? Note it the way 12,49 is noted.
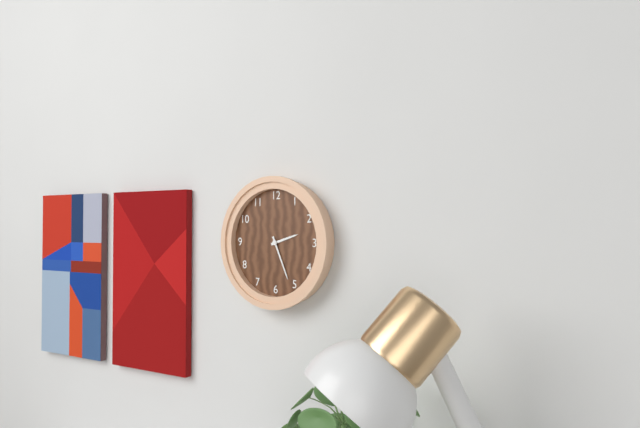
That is 2,26
